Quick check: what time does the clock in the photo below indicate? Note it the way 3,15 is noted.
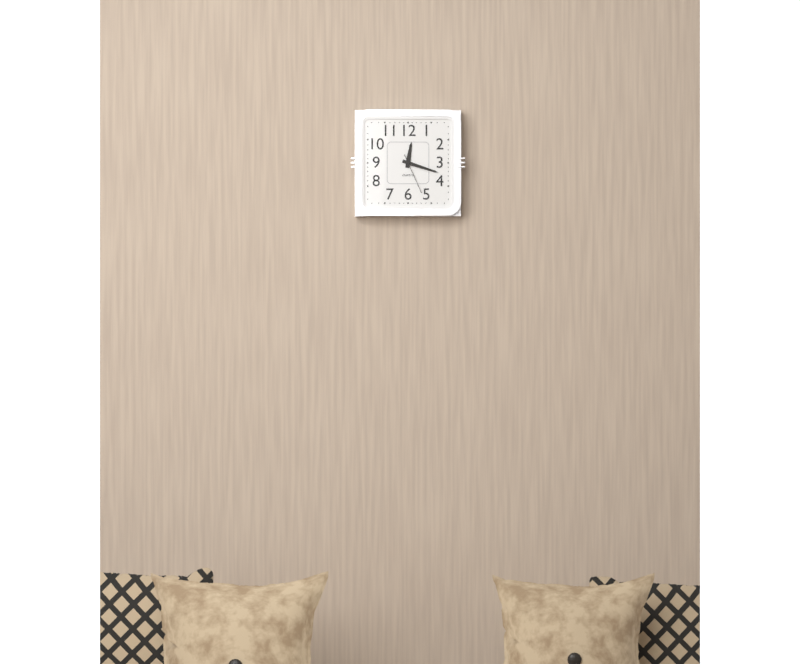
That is 12,18
